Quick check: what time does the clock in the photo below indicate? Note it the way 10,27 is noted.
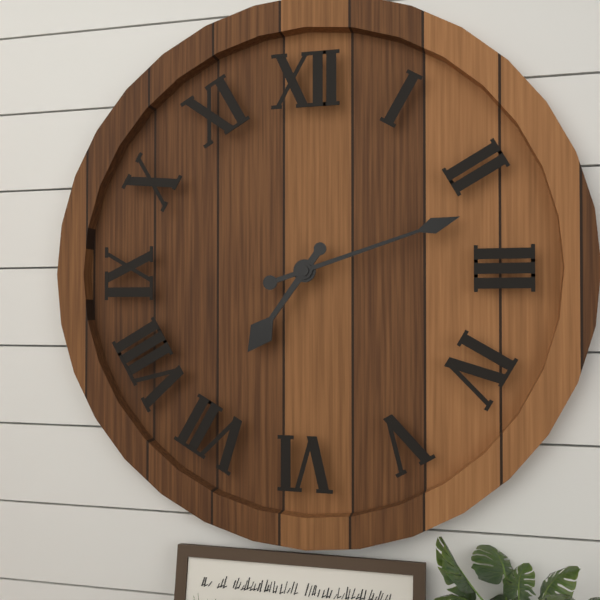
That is 7,12
